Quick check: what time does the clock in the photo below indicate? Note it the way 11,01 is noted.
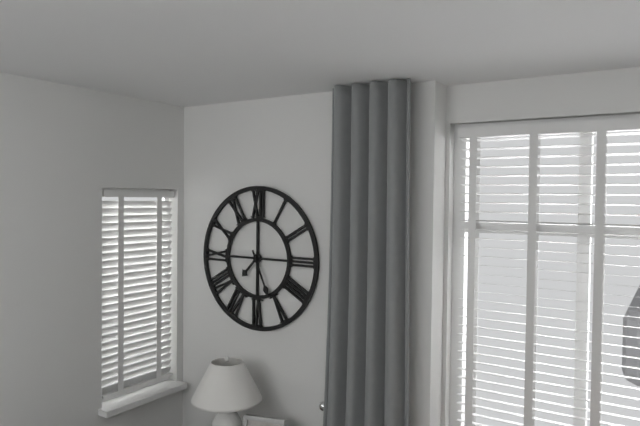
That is 7,26
